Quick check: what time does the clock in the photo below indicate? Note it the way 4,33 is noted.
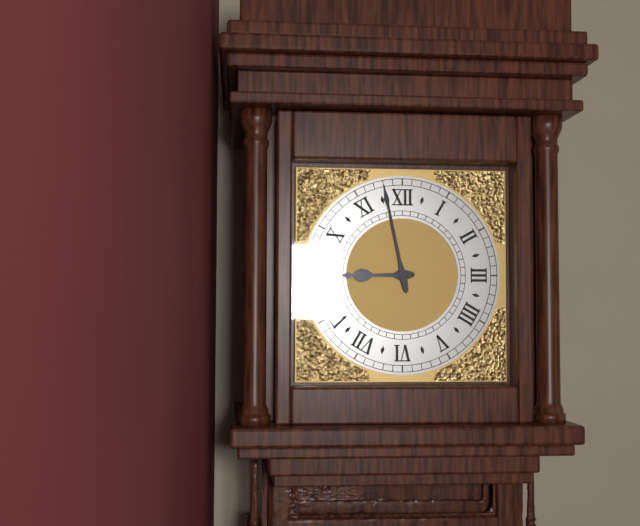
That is 8,58
